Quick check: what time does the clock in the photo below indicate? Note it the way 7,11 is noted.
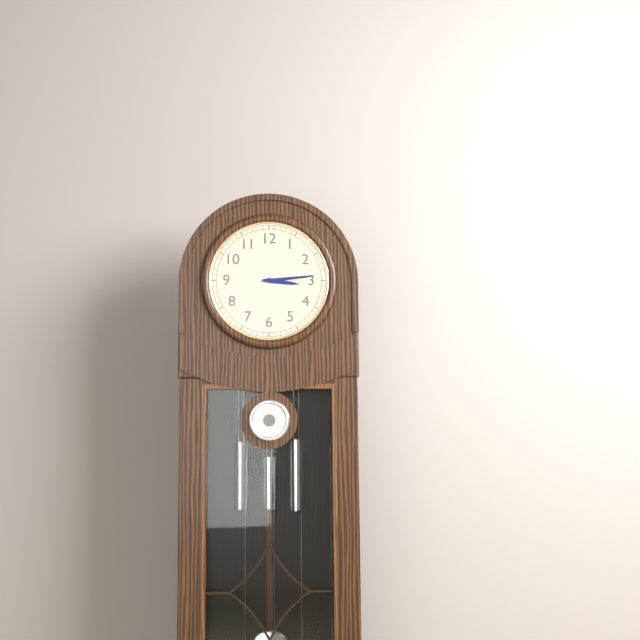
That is 3,14
